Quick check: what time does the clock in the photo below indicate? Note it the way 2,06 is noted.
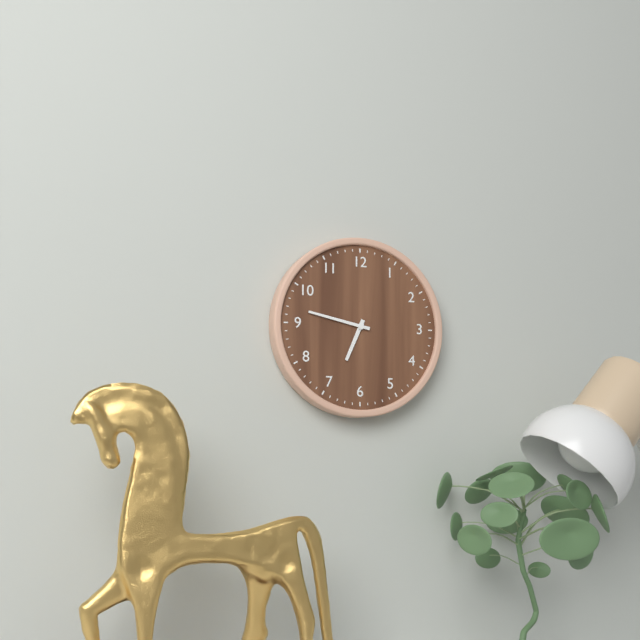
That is 6,47
